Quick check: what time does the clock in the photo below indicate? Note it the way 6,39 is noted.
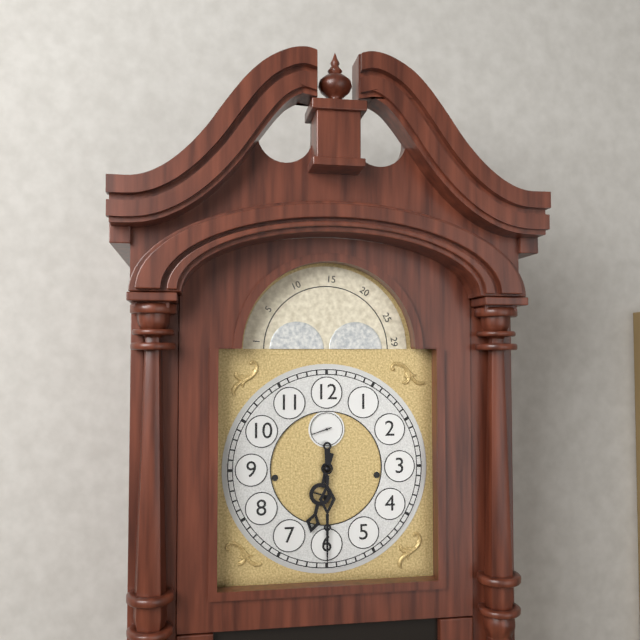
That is 6,30
